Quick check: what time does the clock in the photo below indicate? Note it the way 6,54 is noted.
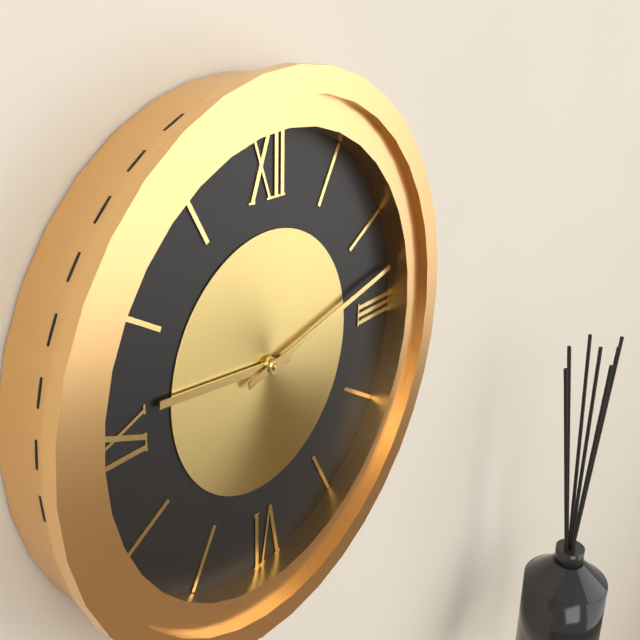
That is 9,13
